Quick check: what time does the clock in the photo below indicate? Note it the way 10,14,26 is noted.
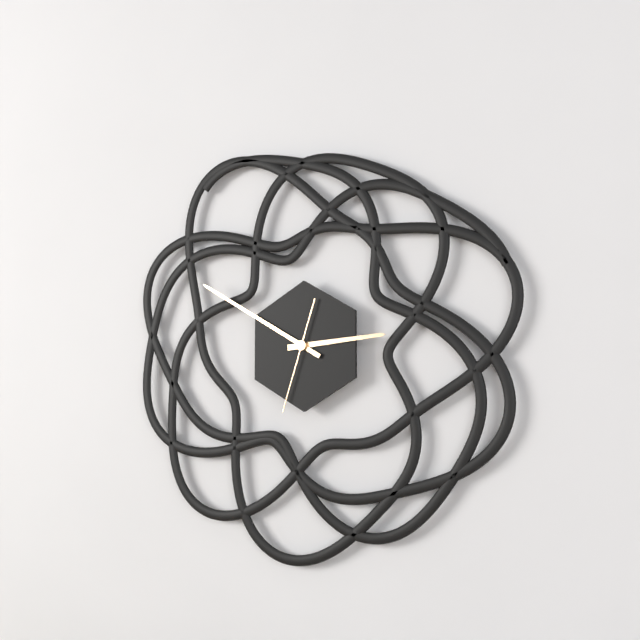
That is 2,50,33
